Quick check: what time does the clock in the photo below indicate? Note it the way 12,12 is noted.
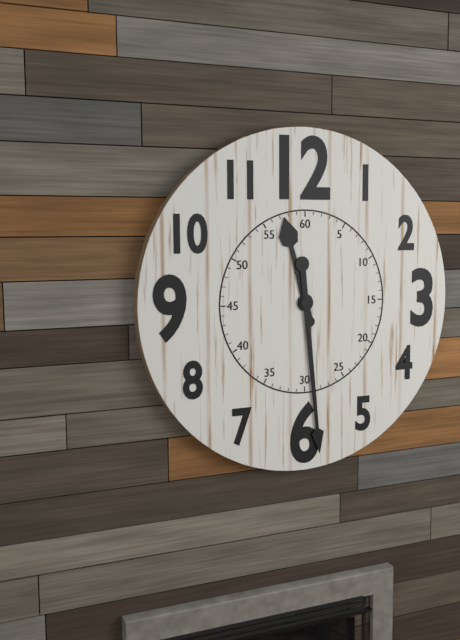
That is 11,29
